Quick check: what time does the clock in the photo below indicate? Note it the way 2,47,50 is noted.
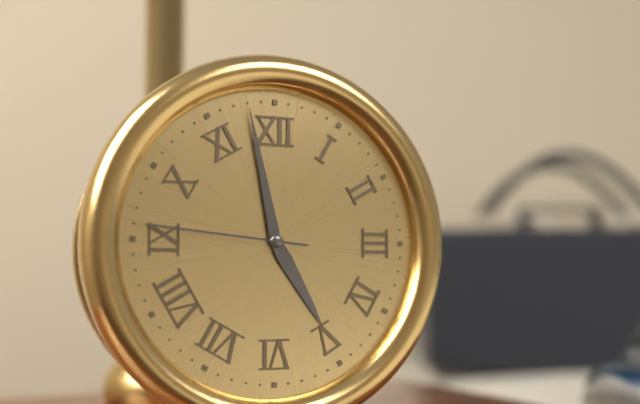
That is 4,58,46
